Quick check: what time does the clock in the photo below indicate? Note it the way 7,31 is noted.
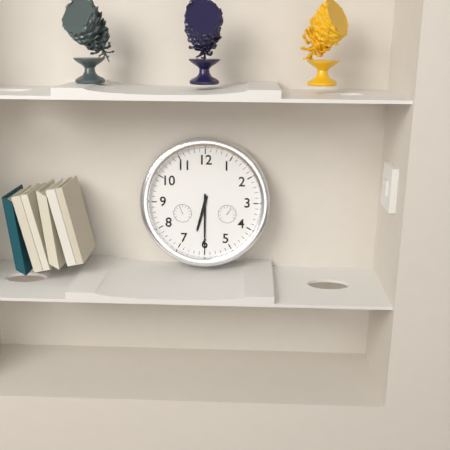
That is 6,30
